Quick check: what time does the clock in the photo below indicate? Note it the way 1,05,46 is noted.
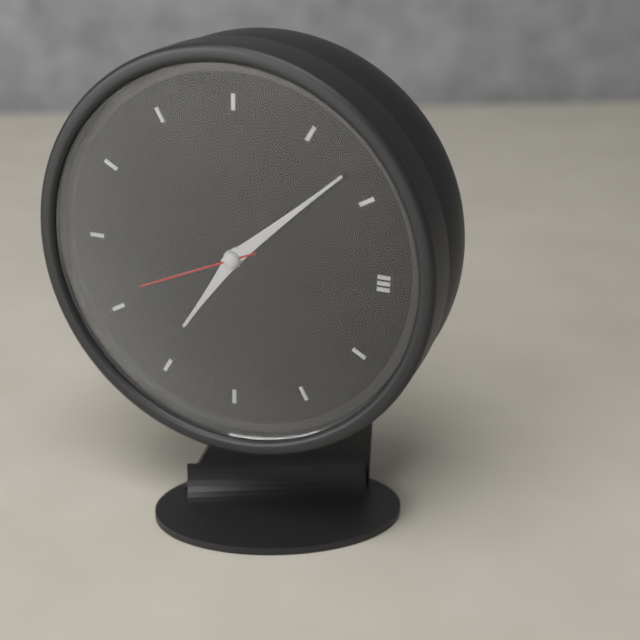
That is 7,08,41
